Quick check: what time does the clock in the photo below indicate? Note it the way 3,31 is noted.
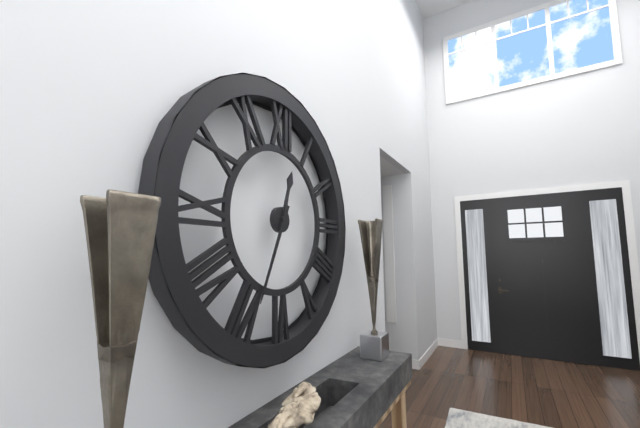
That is 12,34
